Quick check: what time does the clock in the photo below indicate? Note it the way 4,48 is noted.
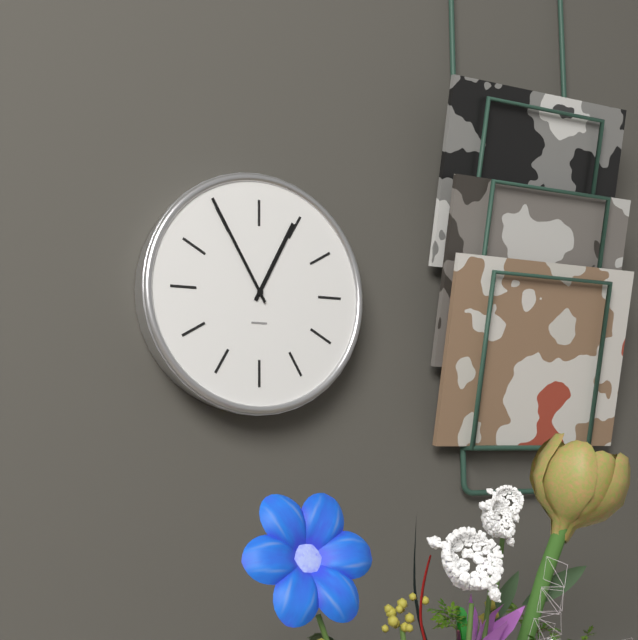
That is 12,55
